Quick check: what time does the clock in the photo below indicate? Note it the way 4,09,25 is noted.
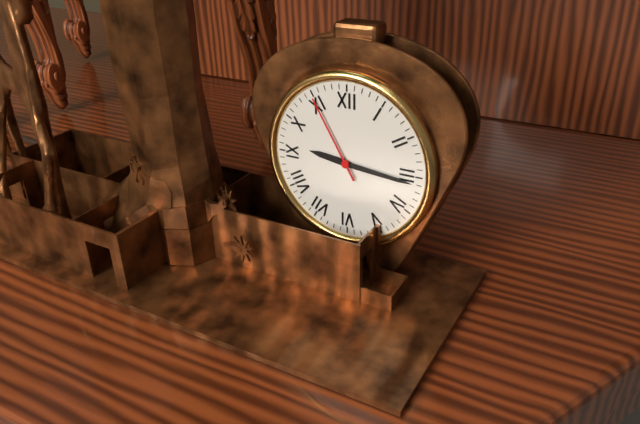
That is 9,16,55
